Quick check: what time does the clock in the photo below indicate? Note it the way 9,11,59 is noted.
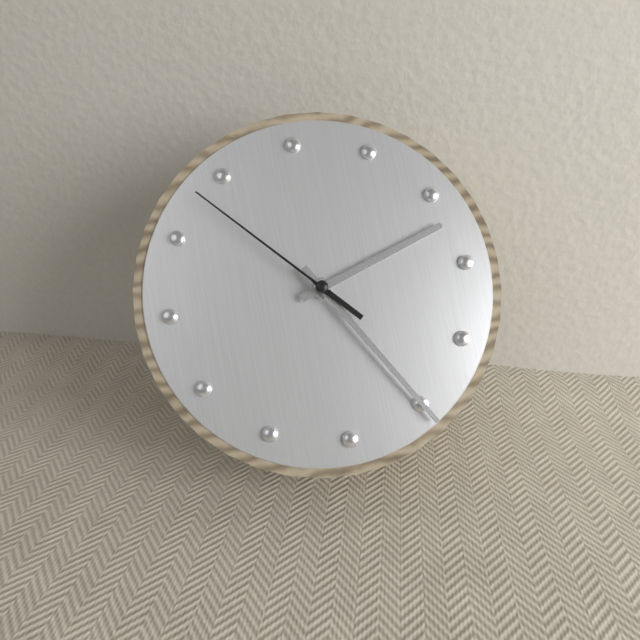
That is 2,25,53
